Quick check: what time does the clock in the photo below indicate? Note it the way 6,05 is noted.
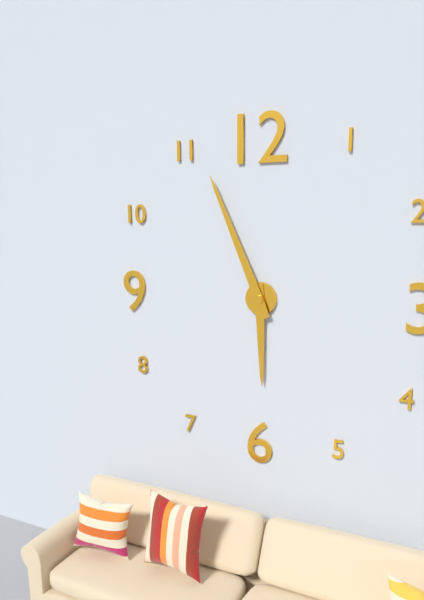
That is 5,56
